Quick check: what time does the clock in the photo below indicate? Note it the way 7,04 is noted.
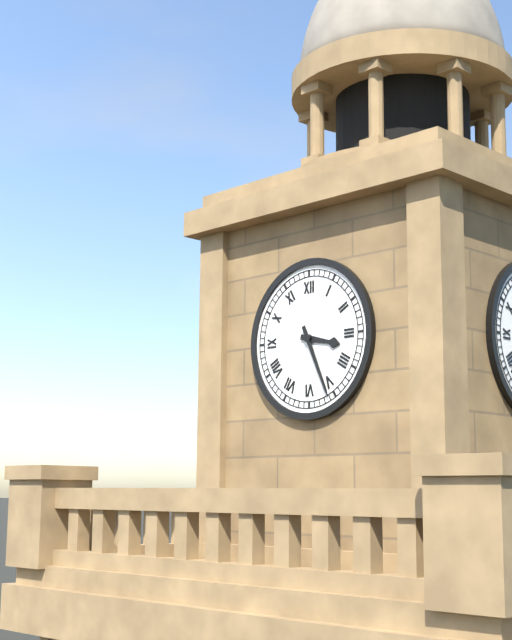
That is 3,26
